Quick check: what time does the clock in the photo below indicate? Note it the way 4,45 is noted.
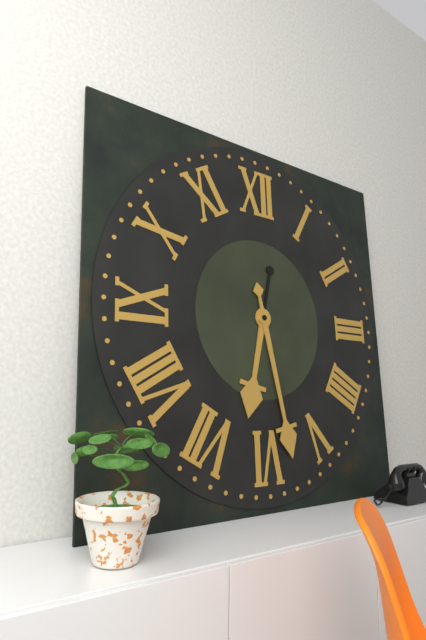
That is 6,28
